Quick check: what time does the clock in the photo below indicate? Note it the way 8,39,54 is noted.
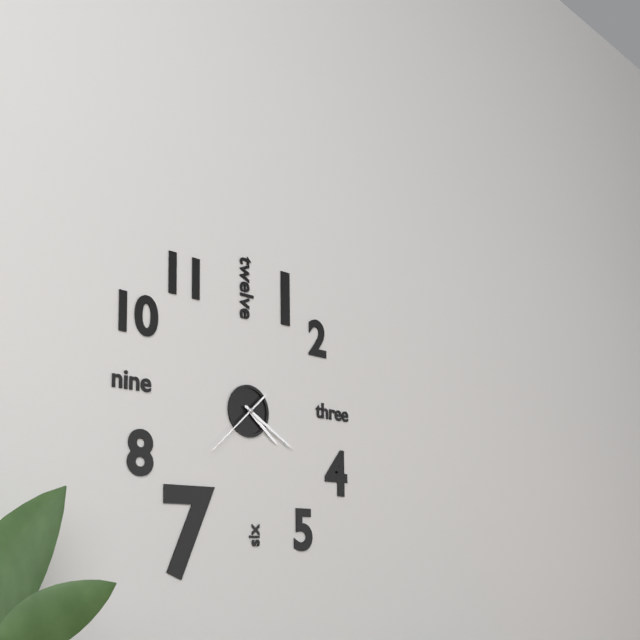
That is 4,20,38
